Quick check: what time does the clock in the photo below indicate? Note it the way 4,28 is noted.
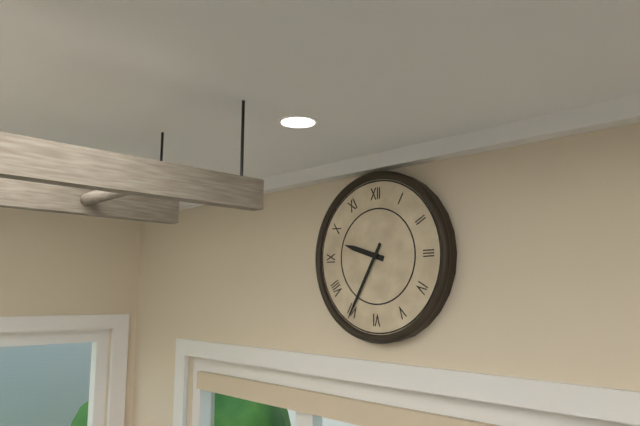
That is 9,35
